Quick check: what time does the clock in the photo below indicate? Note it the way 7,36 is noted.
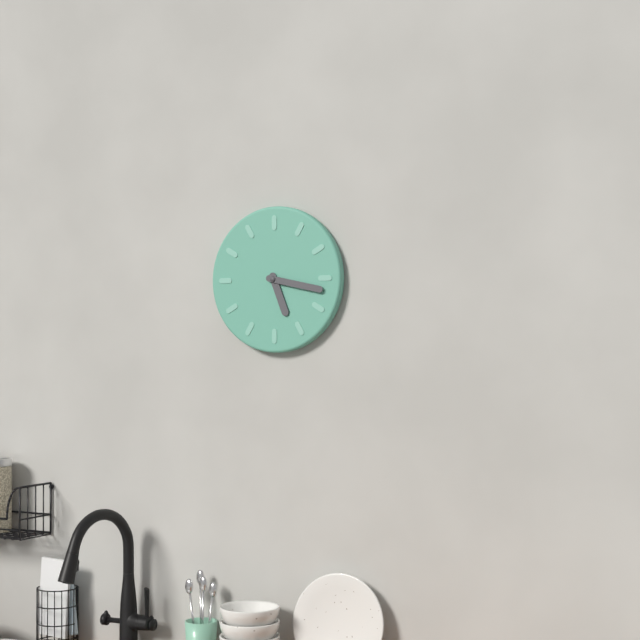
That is 5,17
